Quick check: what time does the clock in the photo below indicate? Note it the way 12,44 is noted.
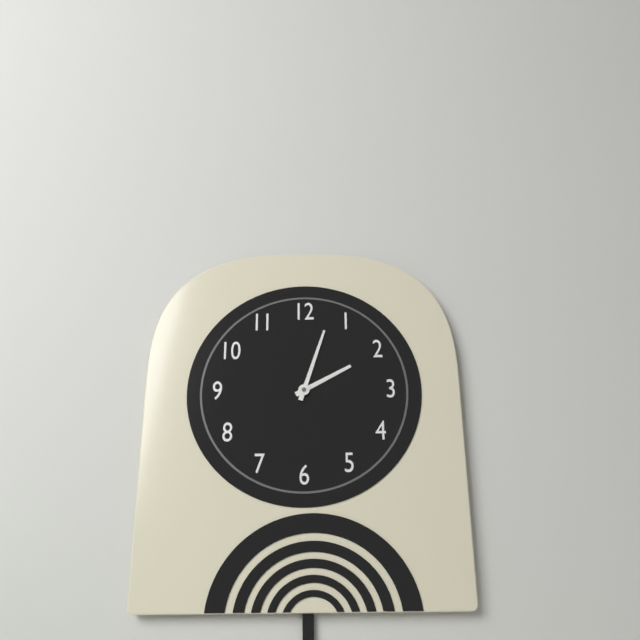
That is 2,03
